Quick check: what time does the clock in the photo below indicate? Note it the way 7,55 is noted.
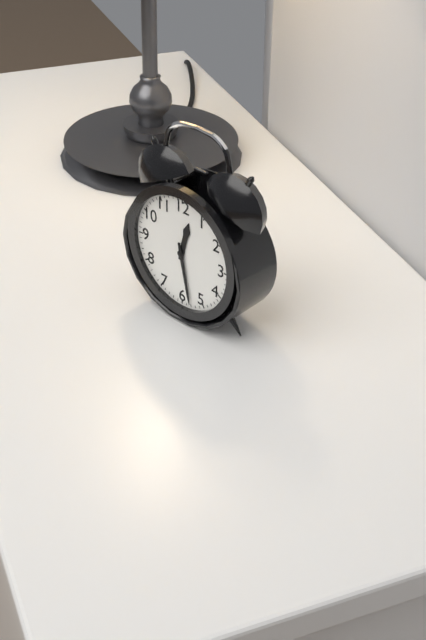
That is 12,28
